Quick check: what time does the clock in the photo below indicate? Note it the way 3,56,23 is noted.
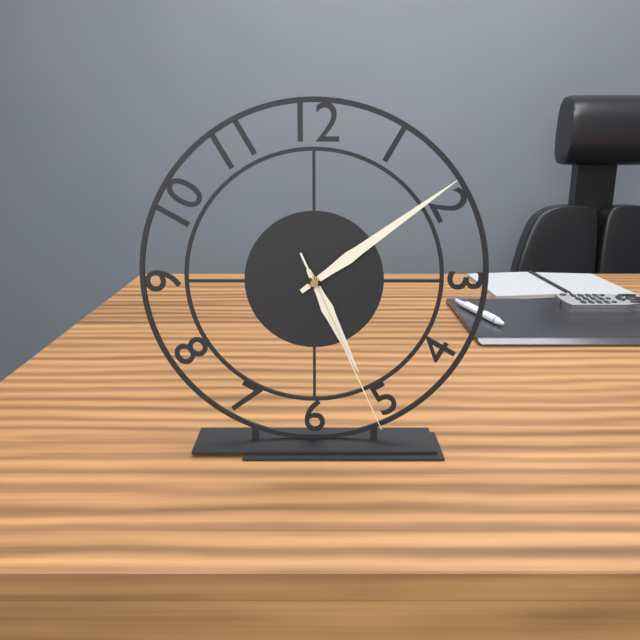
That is 5,09,26
